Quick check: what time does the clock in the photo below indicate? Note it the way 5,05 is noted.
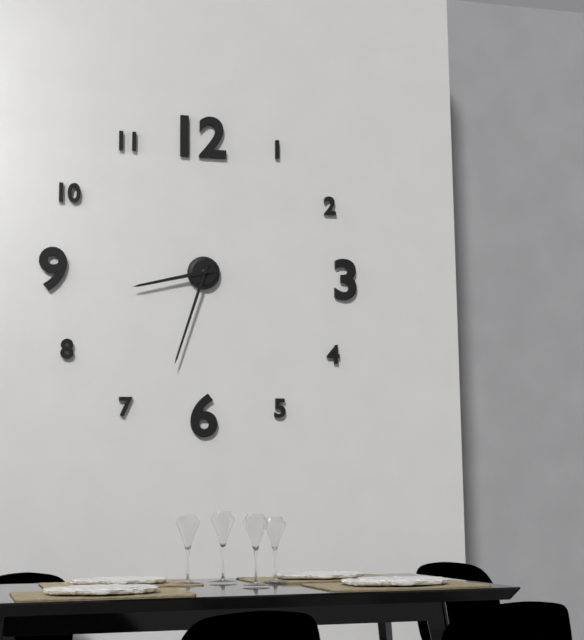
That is 8,33
